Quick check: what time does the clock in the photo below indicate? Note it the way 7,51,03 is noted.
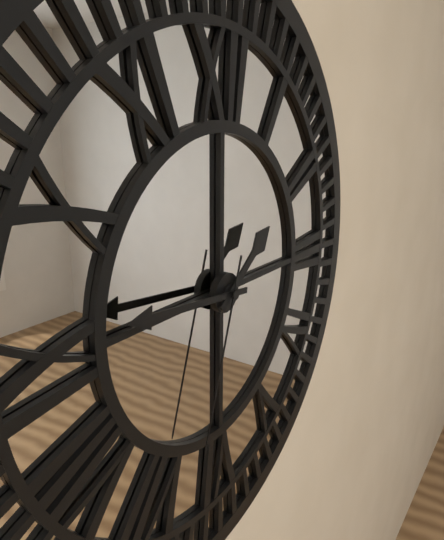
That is 1,46,33
